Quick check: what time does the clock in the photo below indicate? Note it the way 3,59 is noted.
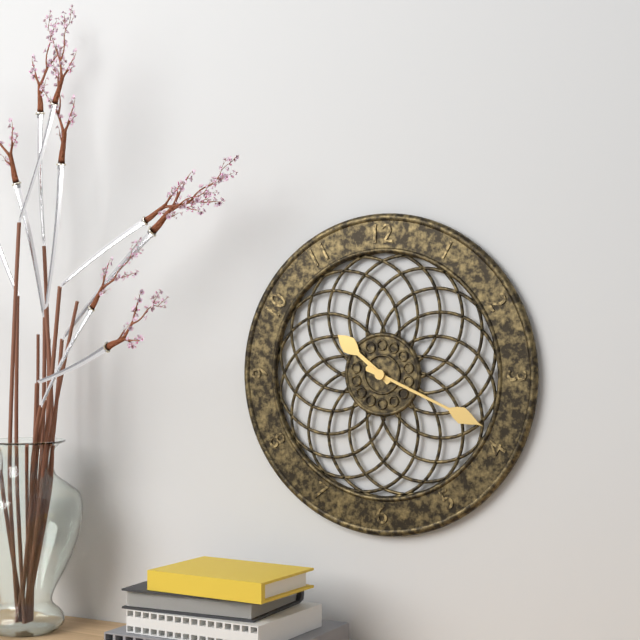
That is 10,19
